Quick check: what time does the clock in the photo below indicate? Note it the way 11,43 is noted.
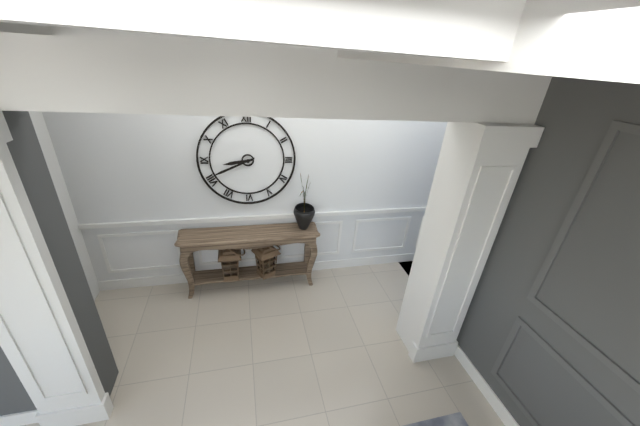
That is 8,41
